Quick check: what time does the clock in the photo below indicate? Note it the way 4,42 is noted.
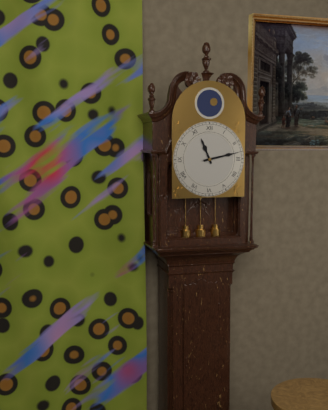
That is 11,13
